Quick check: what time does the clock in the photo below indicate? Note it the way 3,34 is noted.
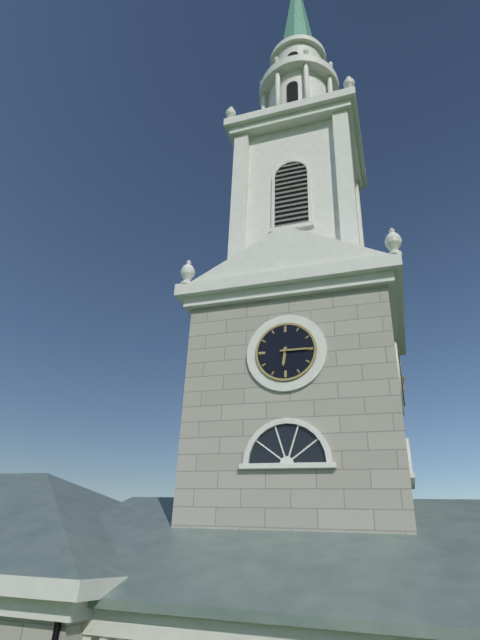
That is 6,15
